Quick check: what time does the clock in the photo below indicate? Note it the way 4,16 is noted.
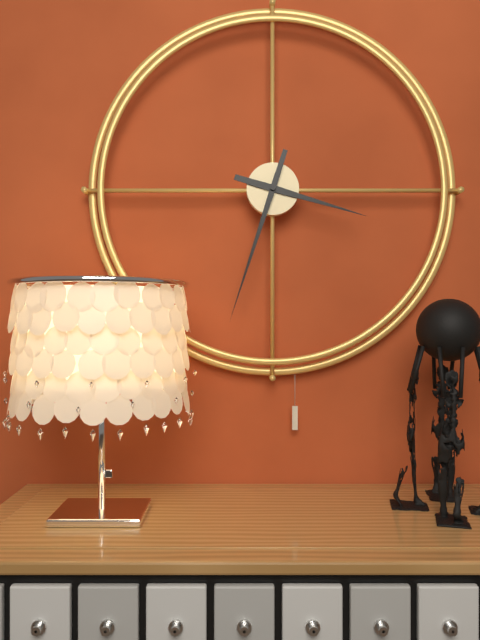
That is 3,33
